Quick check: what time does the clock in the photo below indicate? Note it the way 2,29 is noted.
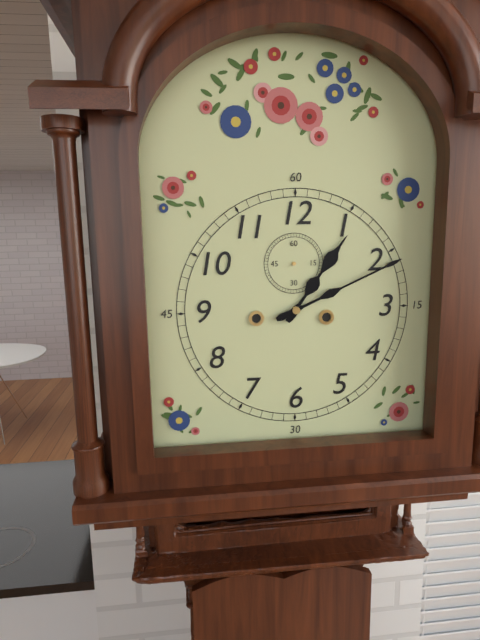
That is 1,11
